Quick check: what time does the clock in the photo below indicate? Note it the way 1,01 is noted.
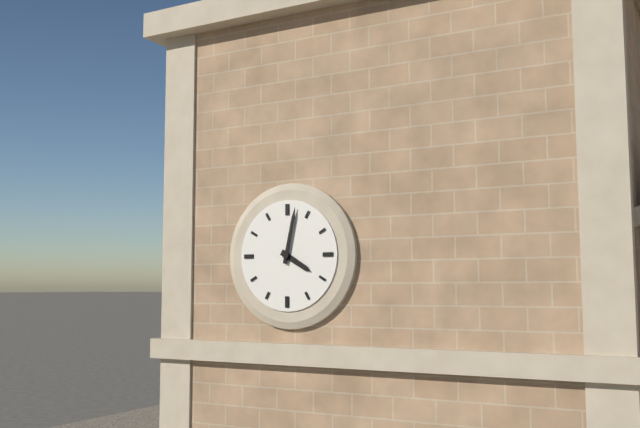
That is 4,02
